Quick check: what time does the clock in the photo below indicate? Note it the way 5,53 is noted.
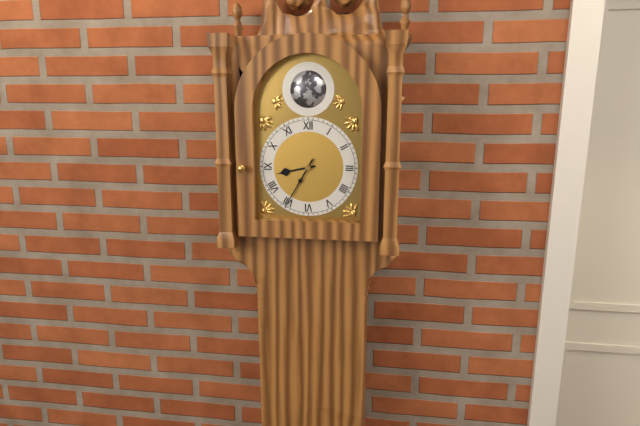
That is 8,35
